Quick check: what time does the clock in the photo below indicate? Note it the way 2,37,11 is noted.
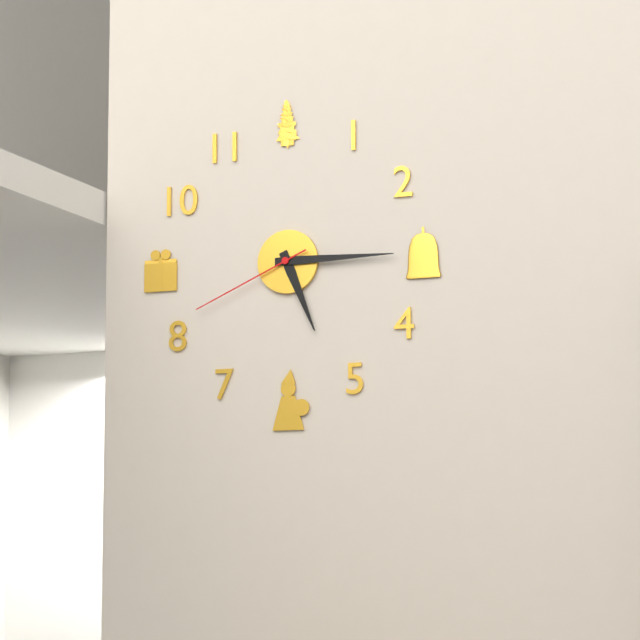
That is 5,15,41
